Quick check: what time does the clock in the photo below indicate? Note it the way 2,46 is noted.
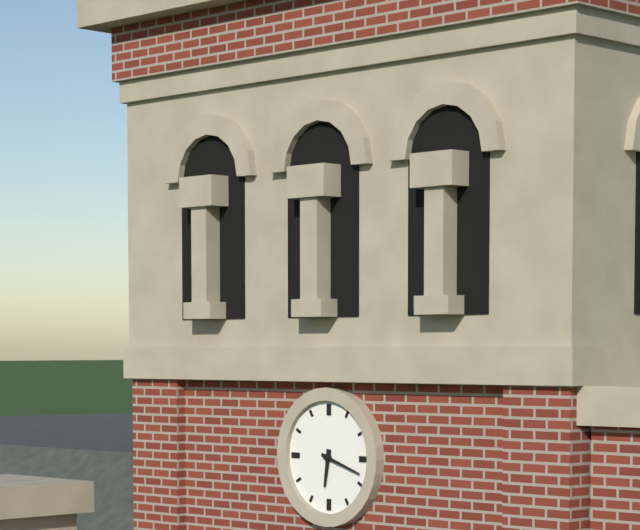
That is 6,18
